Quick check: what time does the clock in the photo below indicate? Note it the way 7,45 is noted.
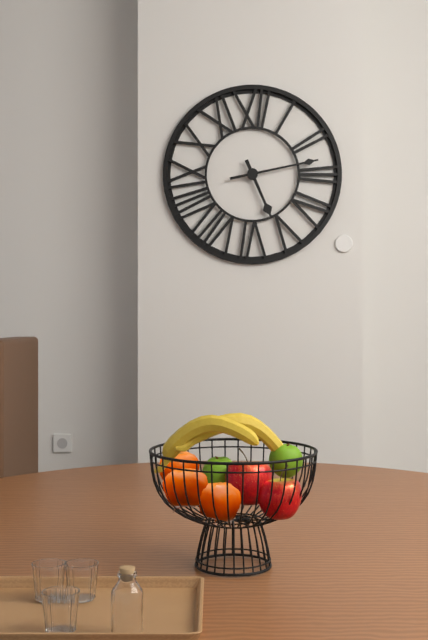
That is 5,13
